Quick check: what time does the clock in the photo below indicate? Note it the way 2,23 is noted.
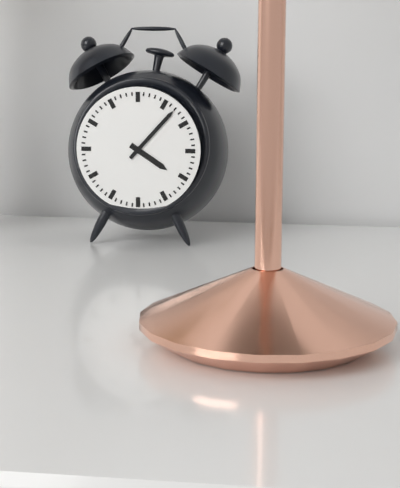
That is 4,07
